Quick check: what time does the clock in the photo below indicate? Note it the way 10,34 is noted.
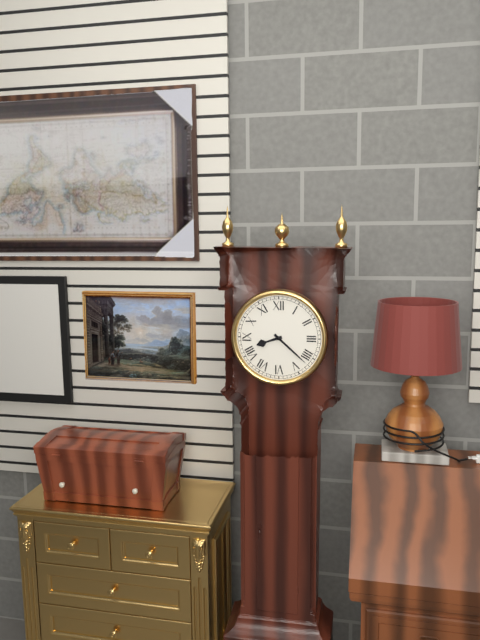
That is 8,22
